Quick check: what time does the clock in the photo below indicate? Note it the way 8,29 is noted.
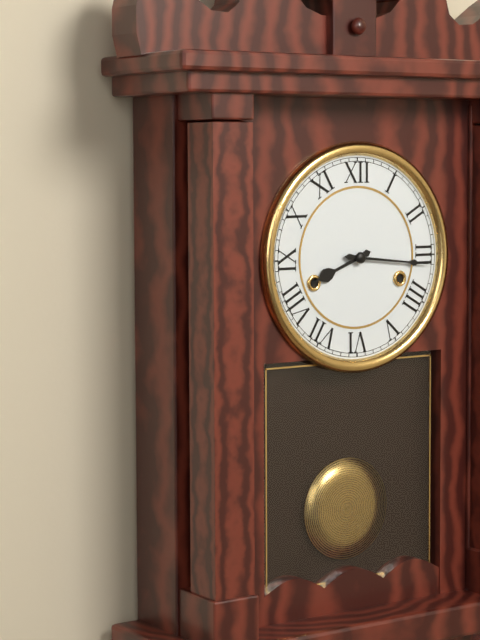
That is 8,16
